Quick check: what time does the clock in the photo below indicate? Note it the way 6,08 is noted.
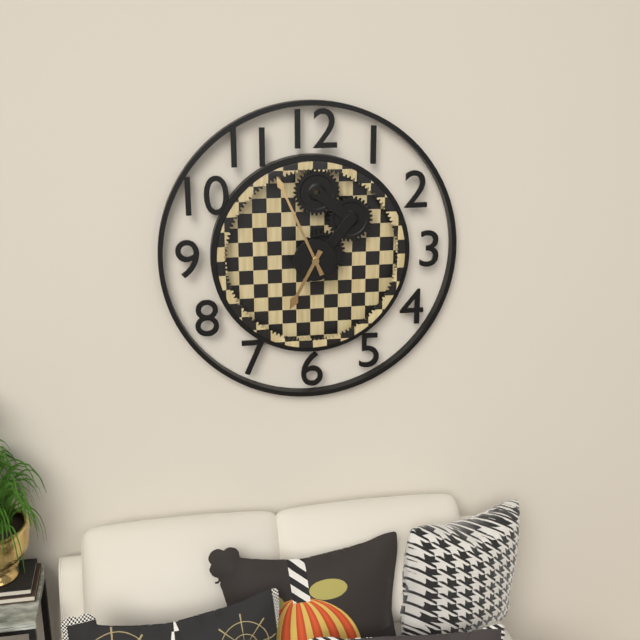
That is 6,56
